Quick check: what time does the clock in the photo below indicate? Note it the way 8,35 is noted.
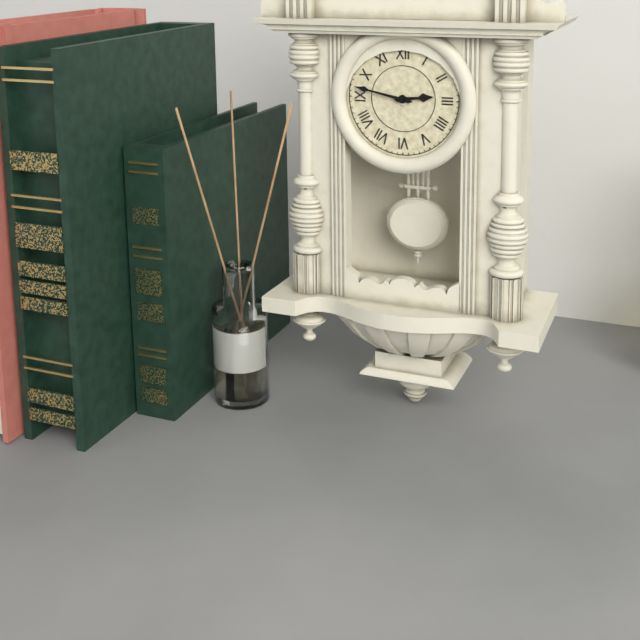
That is 2,47
